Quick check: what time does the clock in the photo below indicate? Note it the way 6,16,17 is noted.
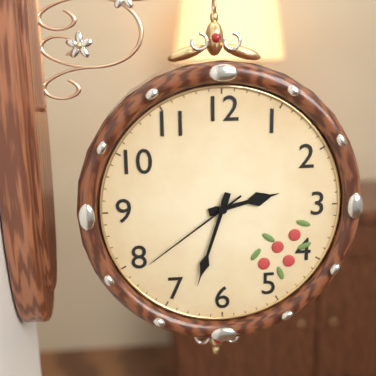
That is 2,33,39
